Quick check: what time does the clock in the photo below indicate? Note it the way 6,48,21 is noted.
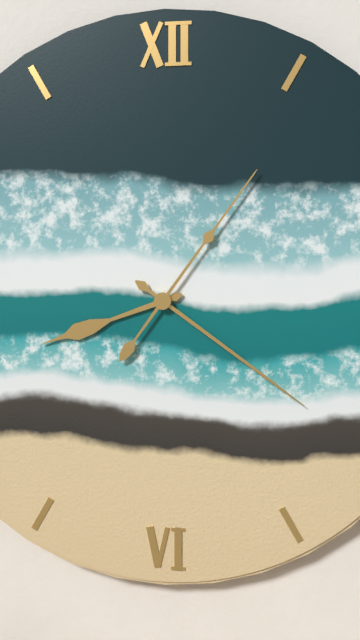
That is 8,21,06
